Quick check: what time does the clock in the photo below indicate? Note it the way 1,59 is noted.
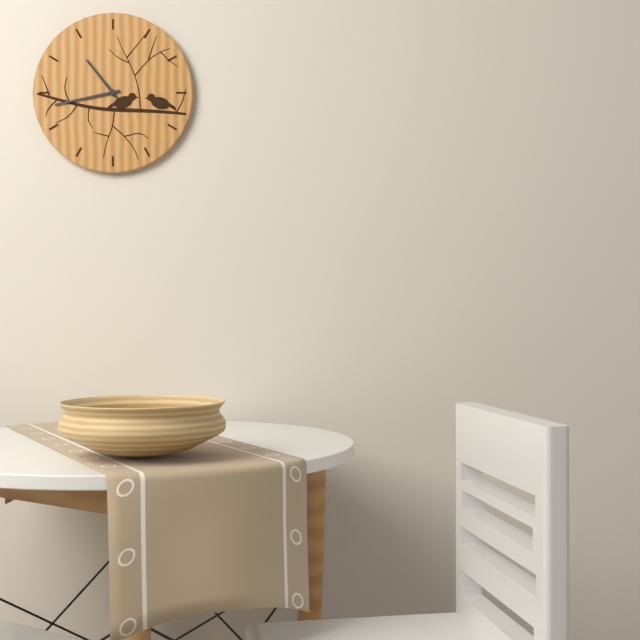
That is 10,43
